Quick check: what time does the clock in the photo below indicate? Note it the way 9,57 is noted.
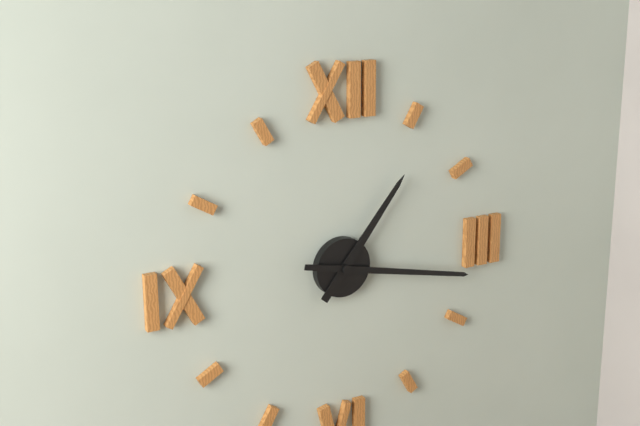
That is 1,17
